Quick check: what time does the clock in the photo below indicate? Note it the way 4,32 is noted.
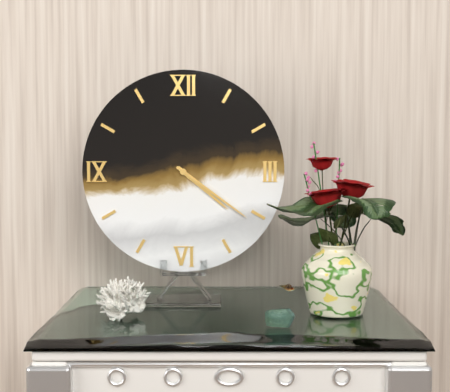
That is 4,21
